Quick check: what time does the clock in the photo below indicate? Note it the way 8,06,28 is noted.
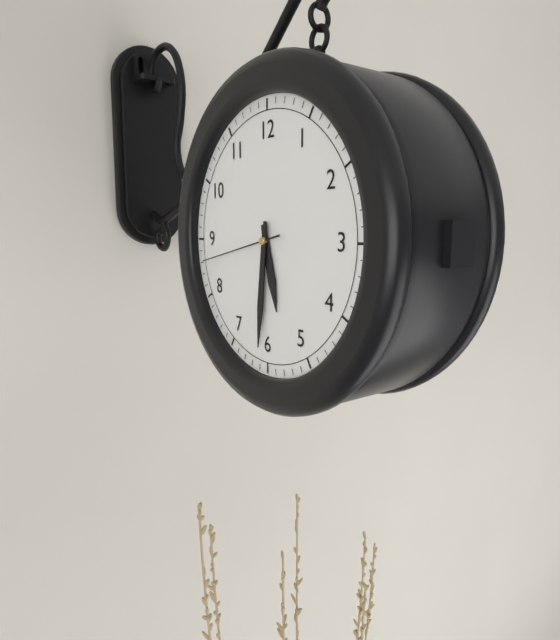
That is 5,31,43
